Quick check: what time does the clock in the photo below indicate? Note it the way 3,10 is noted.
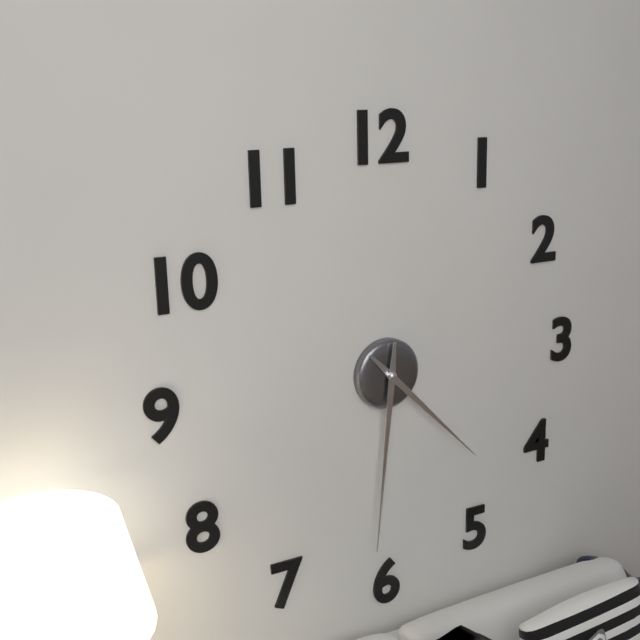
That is 4,31
